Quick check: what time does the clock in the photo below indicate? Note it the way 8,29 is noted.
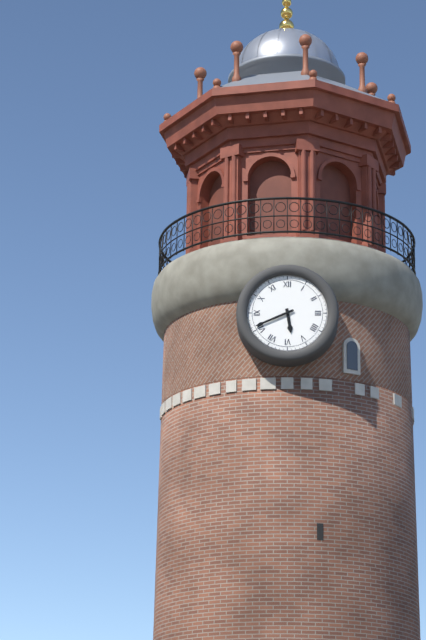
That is 5,41
